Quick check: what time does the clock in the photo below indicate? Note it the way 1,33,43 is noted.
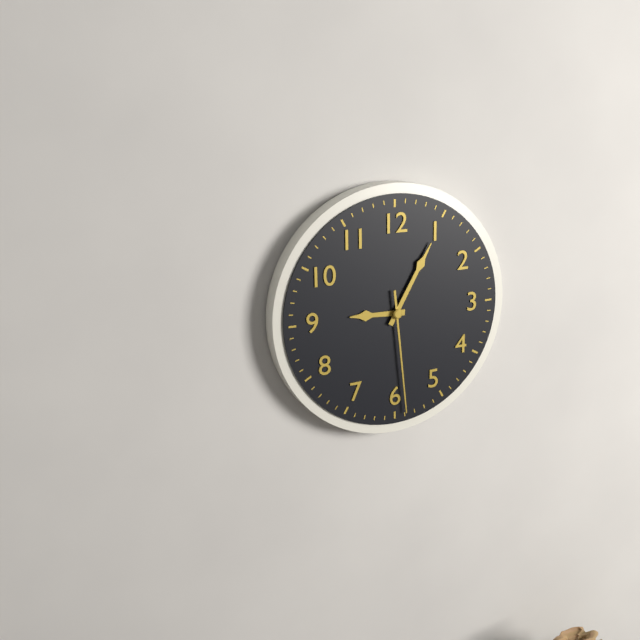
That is 9,05,29
